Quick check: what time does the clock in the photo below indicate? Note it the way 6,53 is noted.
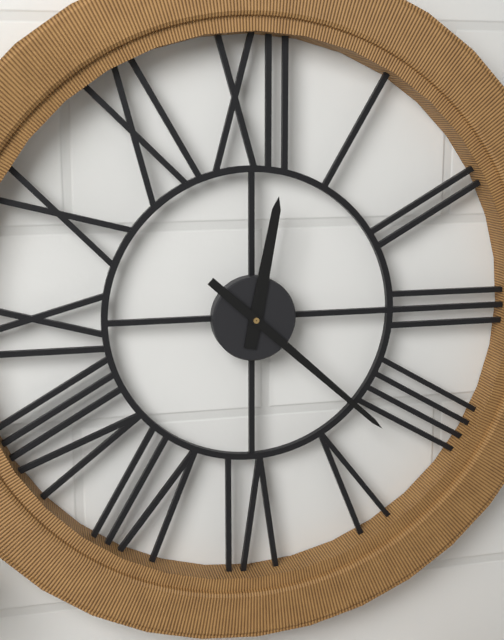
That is 12,22
